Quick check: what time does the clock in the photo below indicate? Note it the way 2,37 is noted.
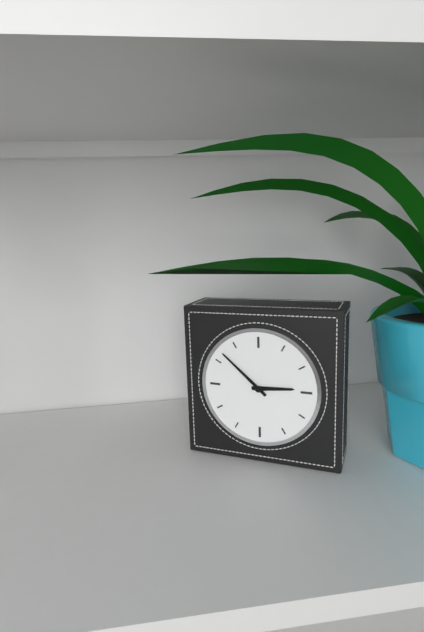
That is 2,52
